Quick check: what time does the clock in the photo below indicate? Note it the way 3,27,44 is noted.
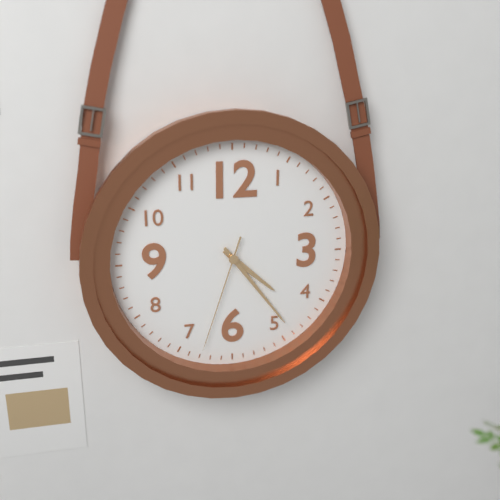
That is 4,24,33
